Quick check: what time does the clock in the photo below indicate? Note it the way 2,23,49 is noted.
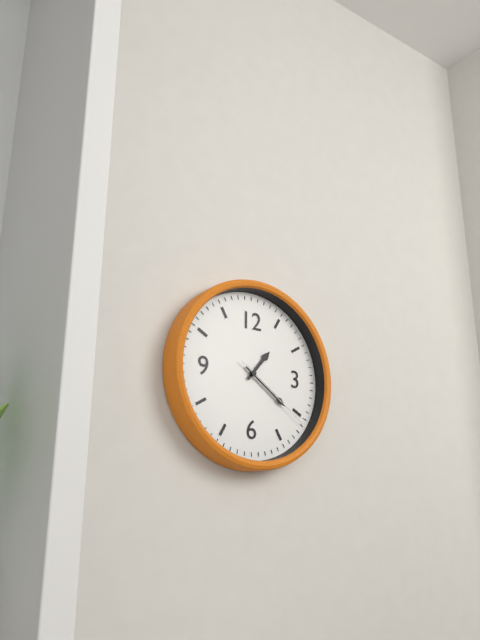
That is 1,21,21
